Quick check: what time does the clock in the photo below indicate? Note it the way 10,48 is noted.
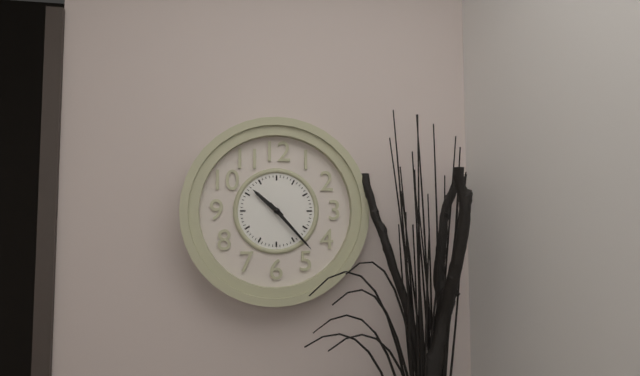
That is 10,23
